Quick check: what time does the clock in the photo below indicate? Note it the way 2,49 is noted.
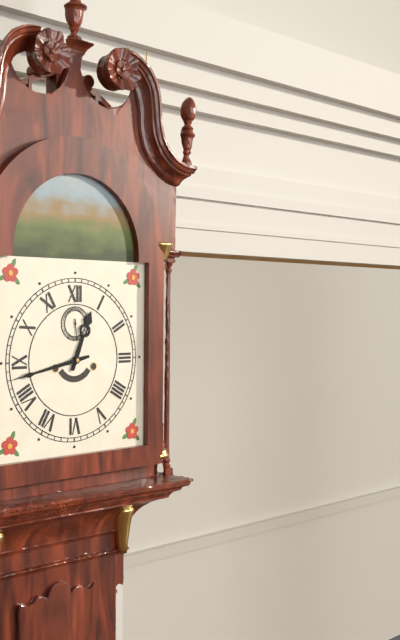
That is 12,43
